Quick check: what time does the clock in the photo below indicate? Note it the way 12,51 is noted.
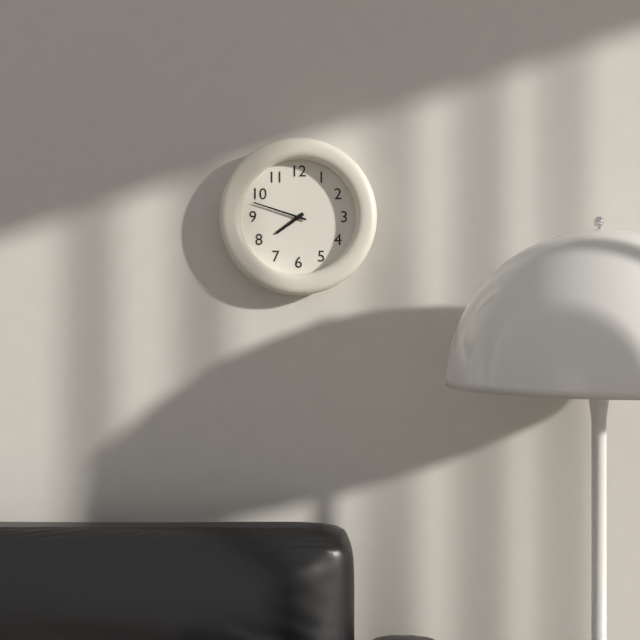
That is 7,48
